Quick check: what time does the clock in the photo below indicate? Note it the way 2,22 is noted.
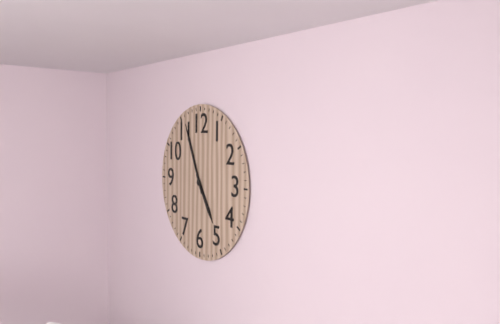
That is 4,56
